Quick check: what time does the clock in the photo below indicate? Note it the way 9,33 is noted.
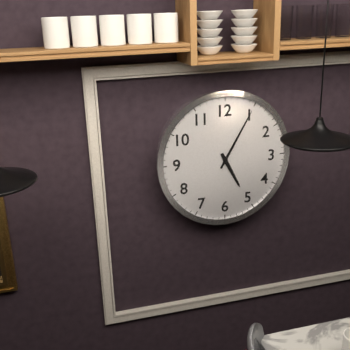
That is 5,05
